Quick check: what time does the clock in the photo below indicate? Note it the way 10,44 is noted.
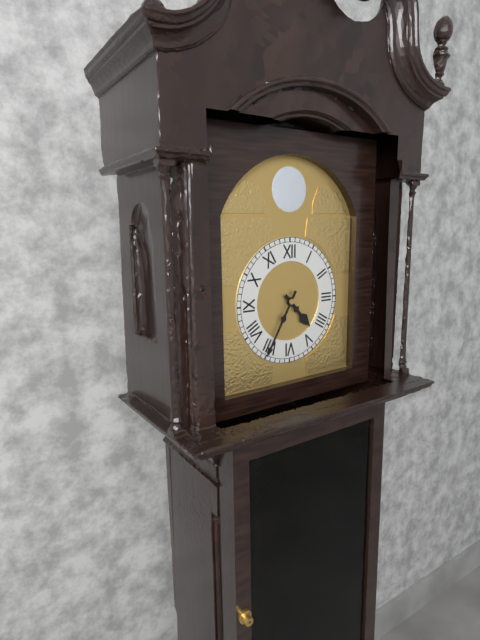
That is 4,35
